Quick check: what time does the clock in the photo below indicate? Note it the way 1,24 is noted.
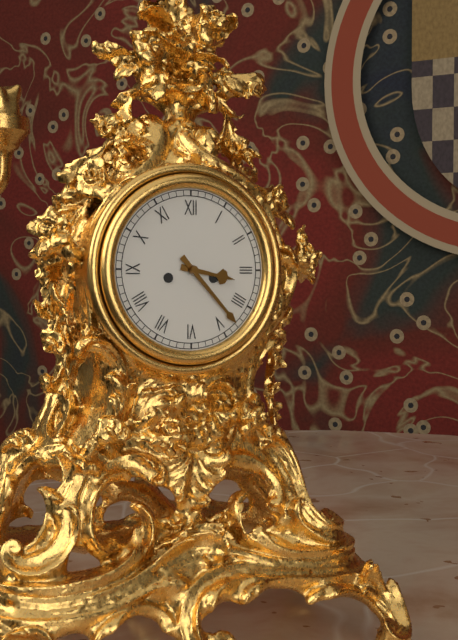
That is 3,23
